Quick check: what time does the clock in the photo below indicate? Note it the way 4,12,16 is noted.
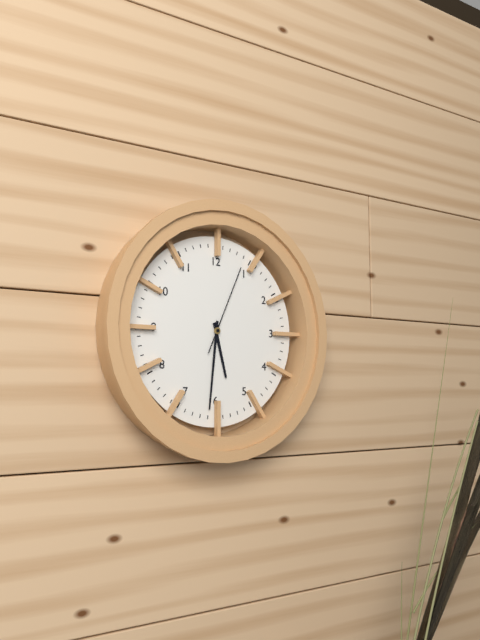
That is 5,31,04
